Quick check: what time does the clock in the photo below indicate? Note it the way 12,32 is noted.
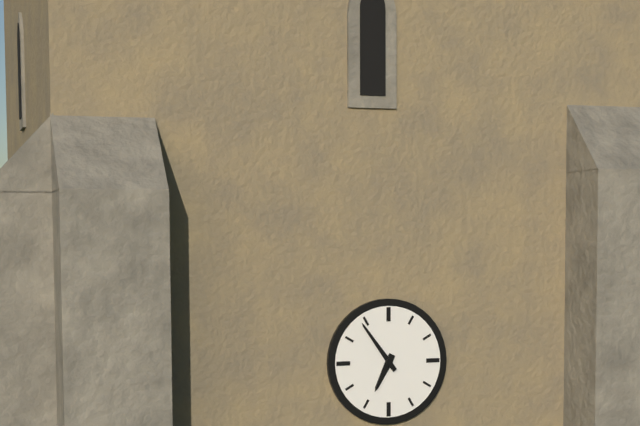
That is 6,54
